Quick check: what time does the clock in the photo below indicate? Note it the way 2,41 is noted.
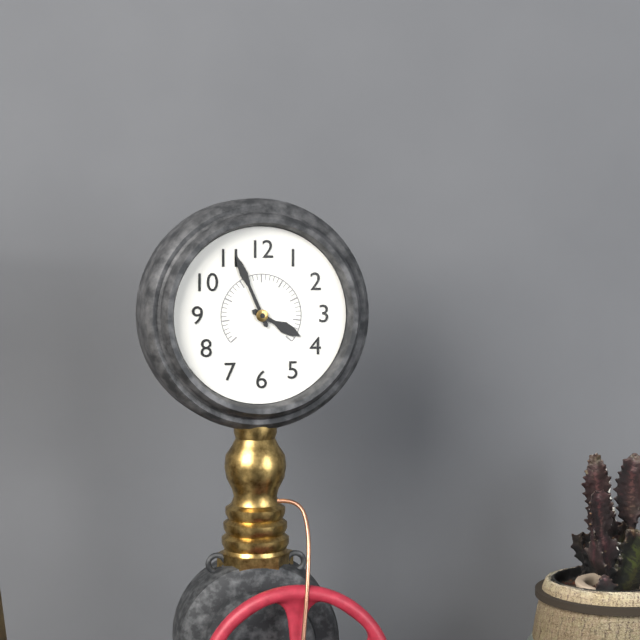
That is 3,56
